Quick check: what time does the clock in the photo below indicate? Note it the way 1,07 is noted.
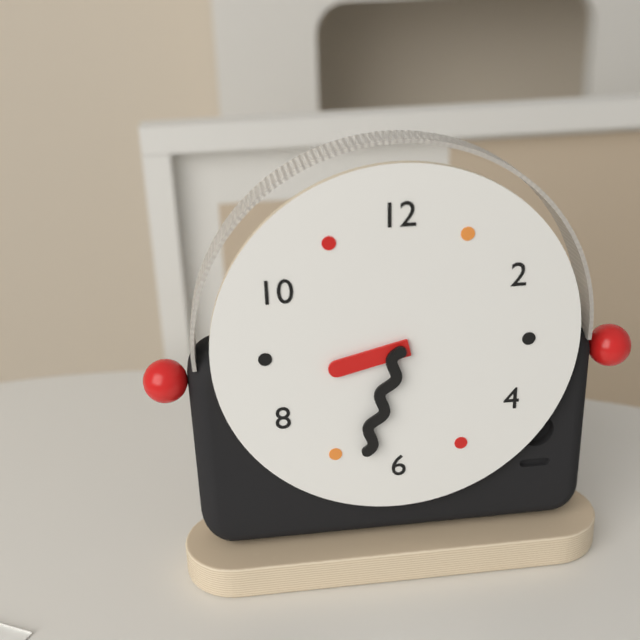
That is 8,33
